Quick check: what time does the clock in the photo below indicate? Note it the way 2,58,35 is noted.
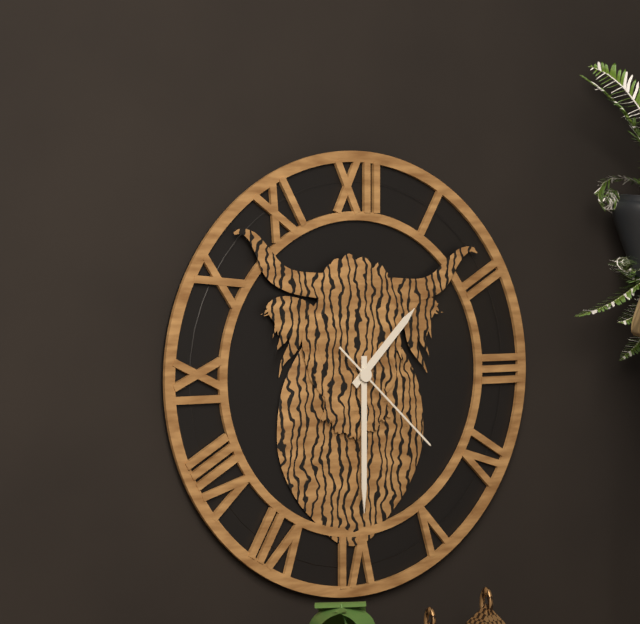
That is 1,30,22
